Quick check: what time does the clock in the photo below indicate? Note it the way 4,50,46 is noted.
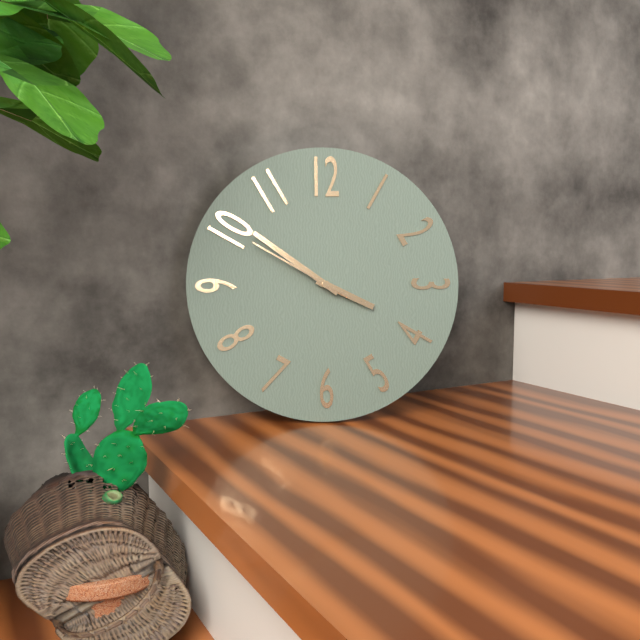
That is 3,51,50
